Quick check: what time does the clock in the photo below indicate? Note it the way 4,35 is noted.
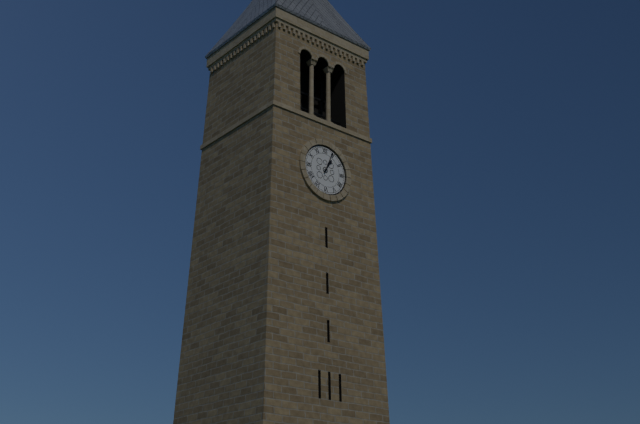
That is 1,04
